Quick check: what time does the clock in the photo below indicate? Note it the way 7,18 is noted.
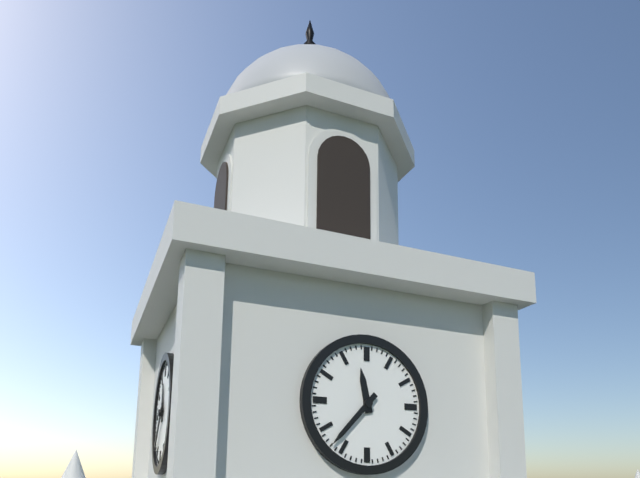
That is 11,37
